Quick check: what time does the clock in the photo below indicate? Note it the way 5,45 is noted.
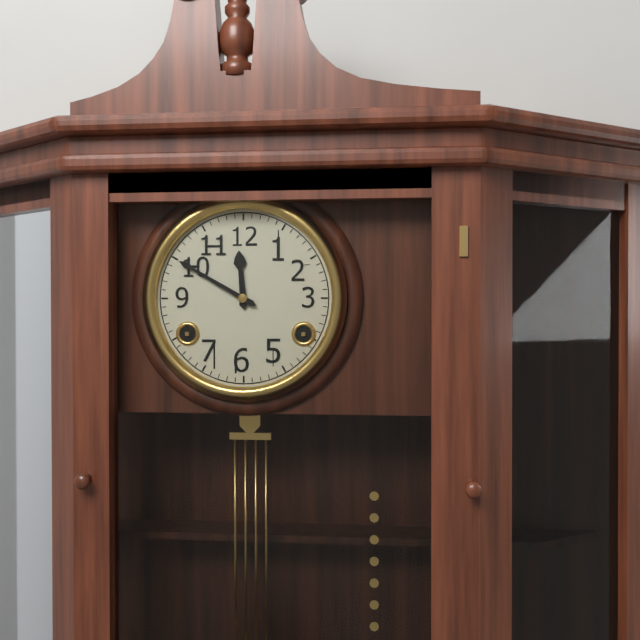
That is 11,50
